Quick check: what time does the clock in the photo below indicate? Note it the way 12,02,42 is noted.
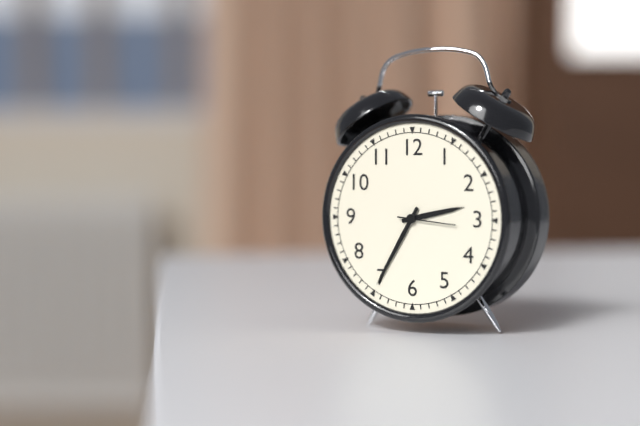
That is 2,35,16
